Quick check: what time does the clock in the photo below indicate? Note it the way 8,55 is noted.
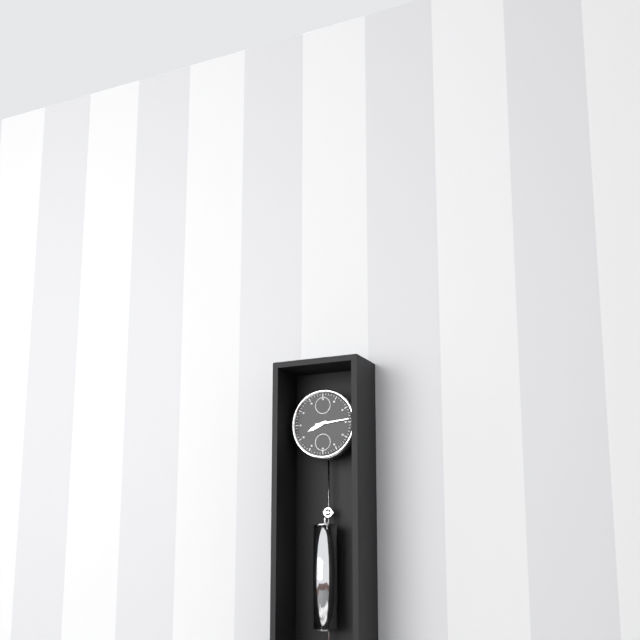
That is 8,14
